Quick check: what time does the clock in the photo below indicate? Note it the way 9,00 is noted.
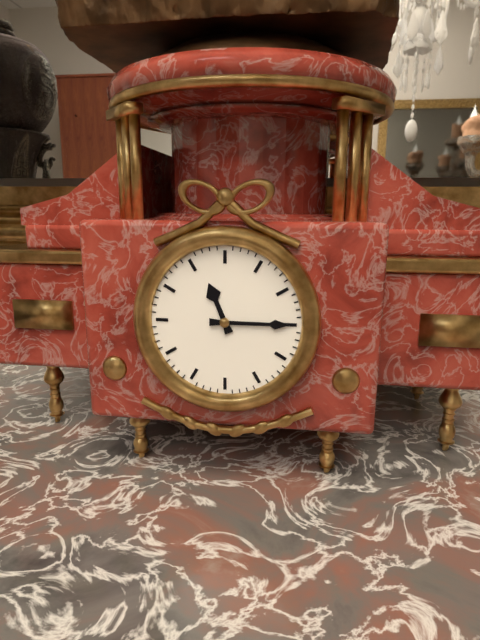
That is 11,15
